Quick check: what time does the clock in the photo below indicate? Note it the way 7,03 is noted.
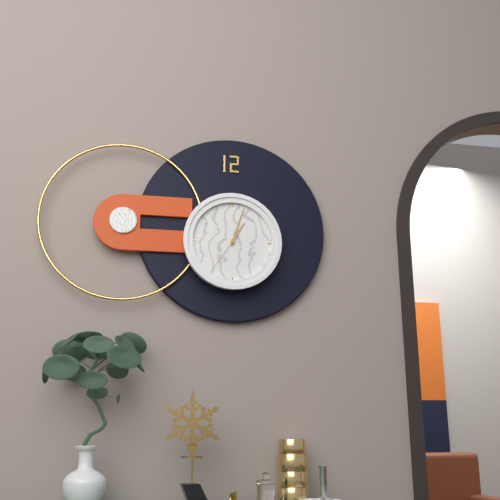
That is 1,03
